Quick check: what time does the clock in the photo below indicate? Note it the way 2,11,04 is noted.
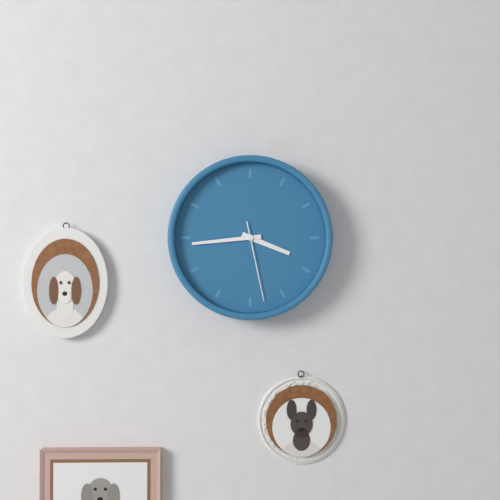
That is 3,44,28
